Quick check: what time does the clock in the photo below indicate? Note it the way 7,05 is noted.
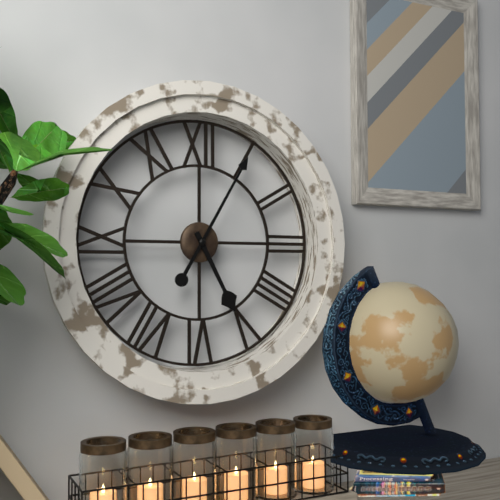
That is 5,05
